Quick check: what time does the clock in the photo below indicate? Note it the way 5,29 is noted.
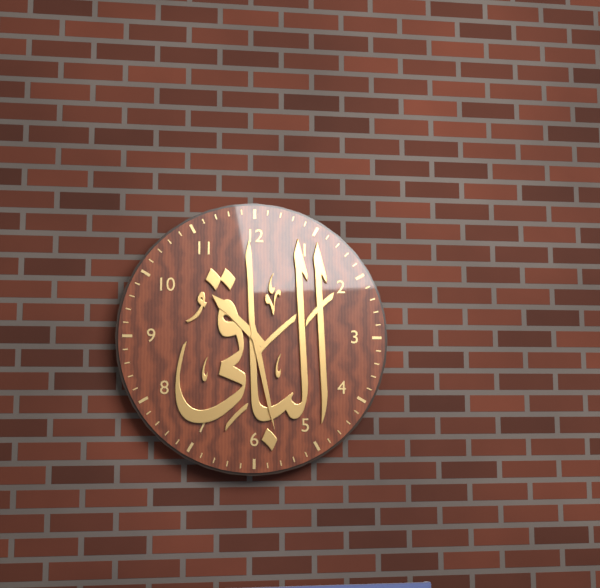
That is 10,28
